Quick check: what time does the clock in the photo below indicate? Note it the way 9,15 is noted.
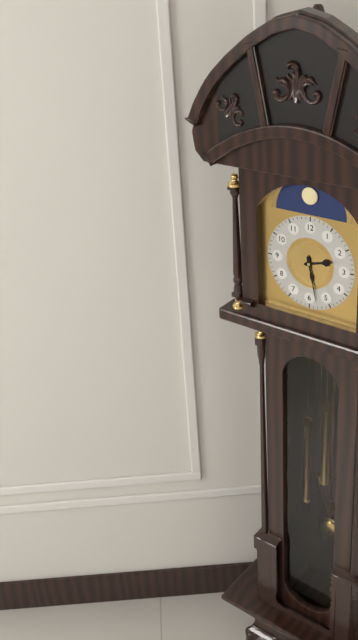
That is 2,28
